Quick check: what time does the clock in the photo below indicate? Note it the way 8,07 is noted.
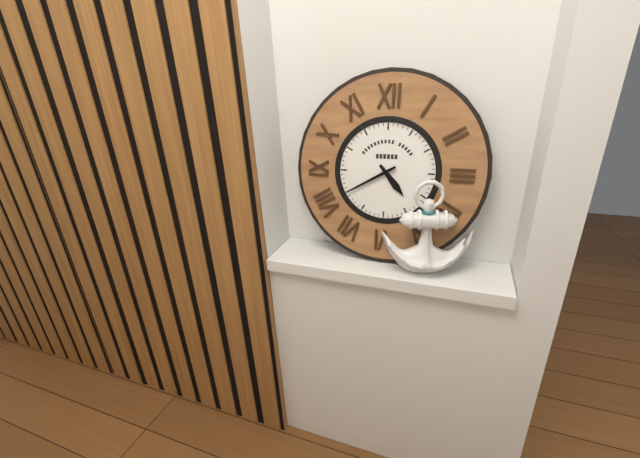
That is 4,40
